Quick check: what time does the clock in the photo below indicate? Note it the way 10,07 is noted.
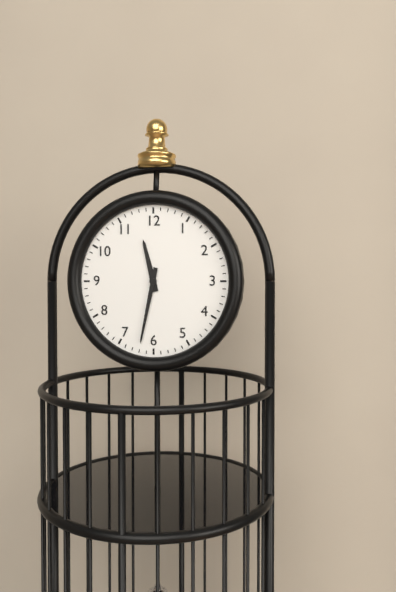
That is 11,32
